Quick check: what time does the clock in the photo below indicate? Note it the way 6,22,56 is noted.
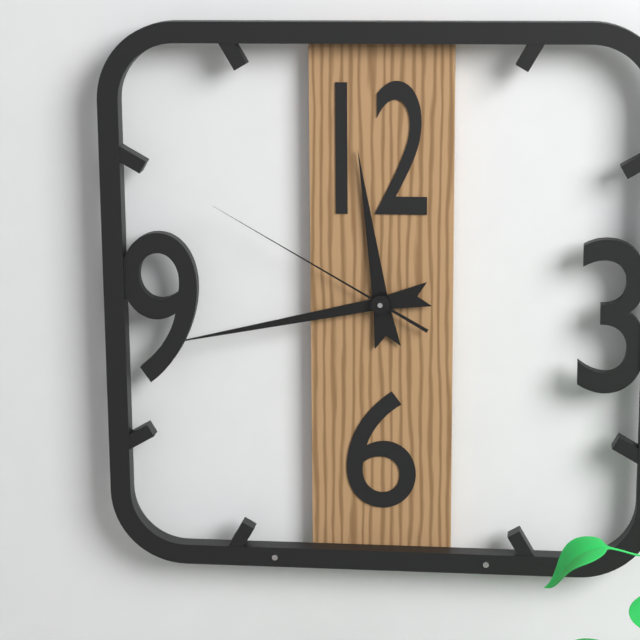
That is 11,43,50
